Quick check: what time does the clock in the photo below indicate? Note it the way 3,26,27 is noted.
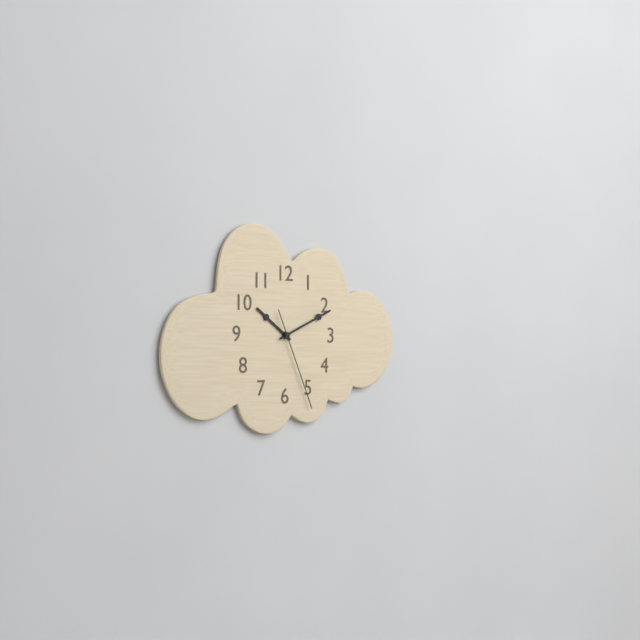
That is 10,11,26
